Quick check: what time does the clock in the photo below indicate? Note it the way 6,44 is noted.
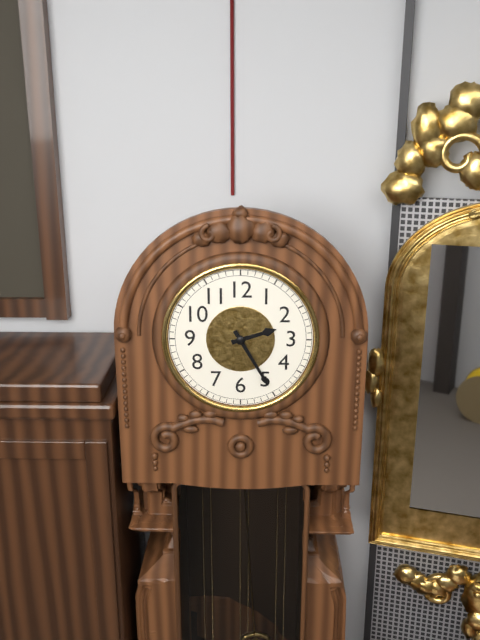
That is 2,25
